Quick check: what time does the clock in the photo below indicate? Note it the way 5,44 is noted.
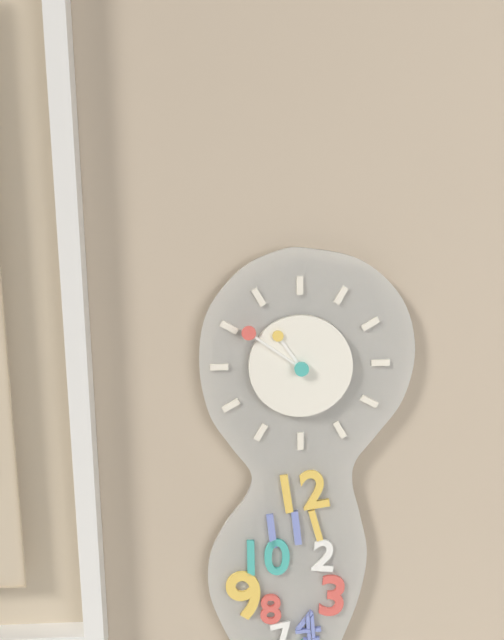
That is 10,51
